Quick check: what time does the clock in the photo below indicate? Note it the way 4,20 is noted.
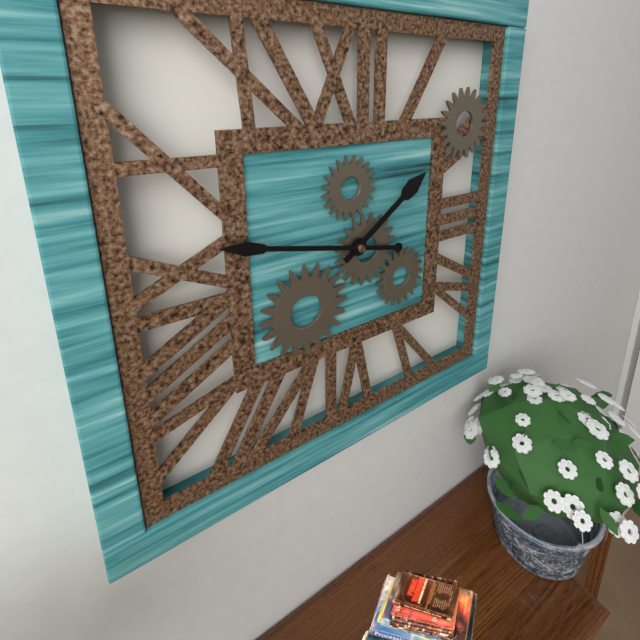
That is 1,47
